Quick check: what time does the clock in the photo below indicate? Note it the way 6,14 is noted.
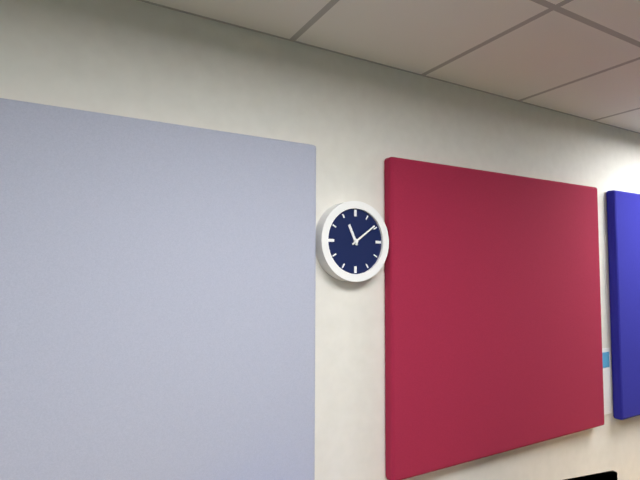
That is 11,09
